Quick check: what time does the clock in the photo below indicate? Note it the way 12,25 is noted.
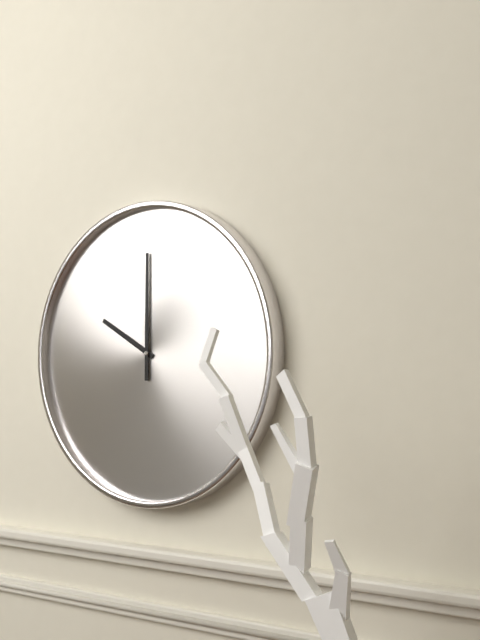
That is 10,00
